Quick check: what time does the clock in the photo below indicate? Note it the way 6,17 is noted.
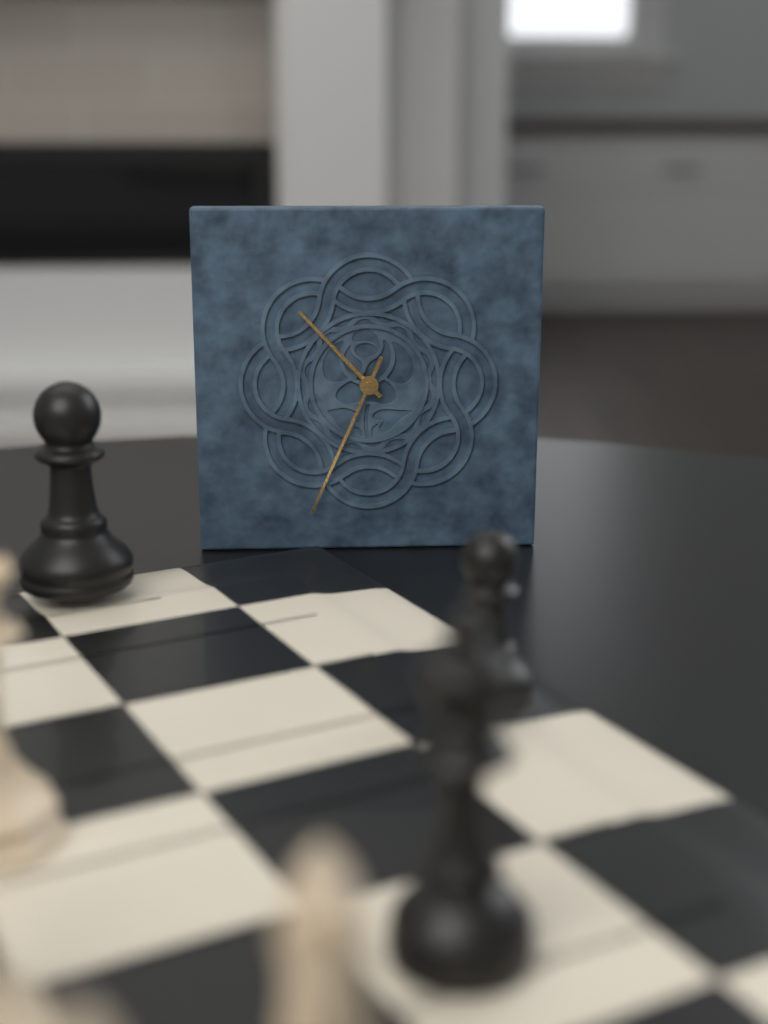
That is 10,34
